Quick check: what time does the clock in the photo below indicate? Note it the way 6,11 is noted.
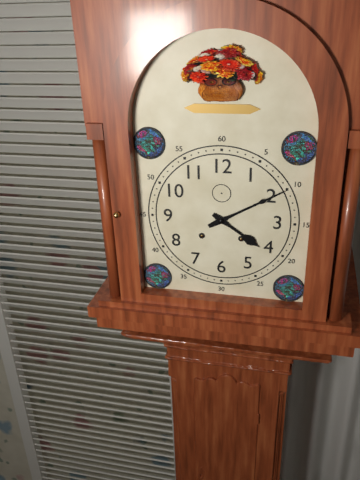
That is 4,10
